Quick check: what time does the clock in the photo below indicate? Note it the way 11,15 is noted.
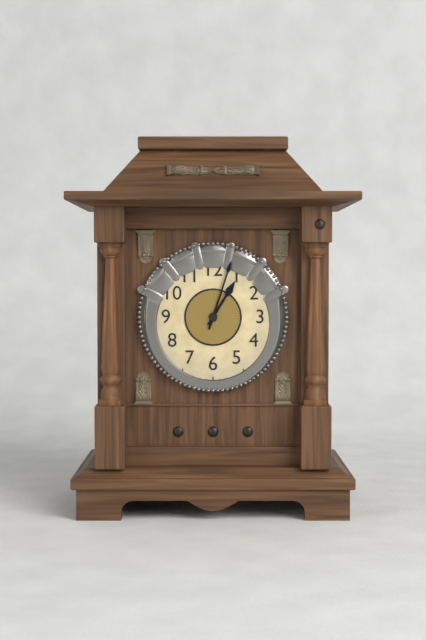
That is 1,03
